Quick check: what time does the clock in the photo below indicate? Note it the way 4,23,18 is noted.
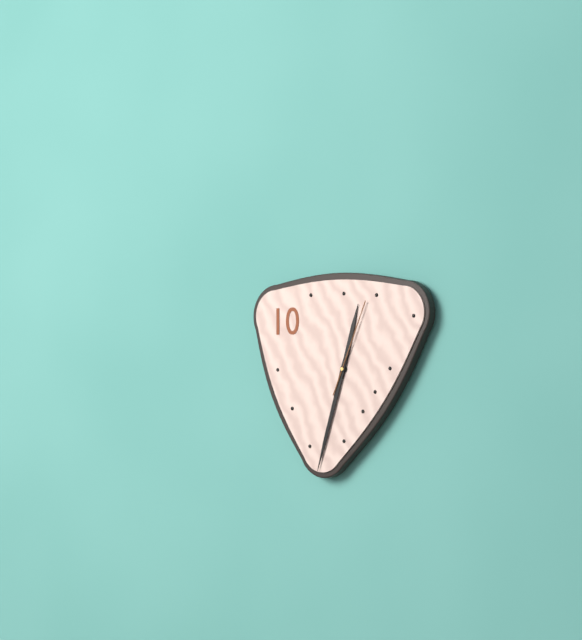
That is 12,33,04
